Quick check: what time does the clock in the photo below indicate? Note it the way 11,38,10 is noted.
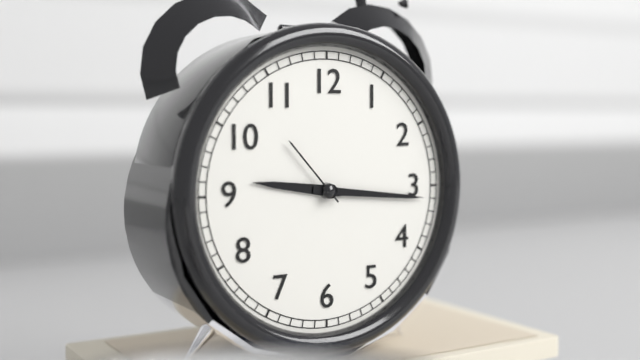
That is 9,16,53
